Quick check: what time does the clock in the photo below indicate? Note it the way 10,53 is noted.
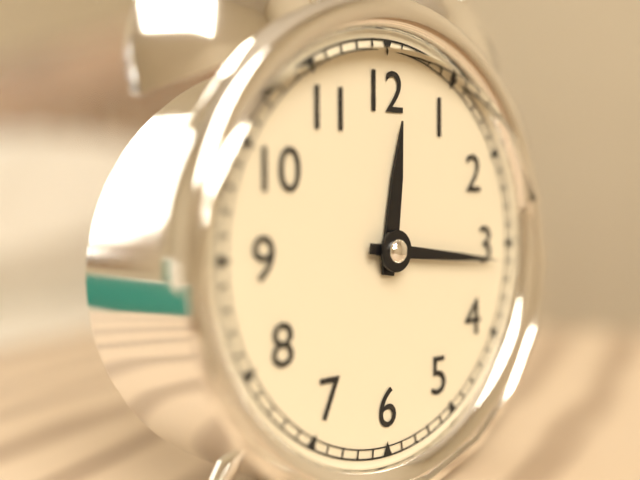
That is 12,16
